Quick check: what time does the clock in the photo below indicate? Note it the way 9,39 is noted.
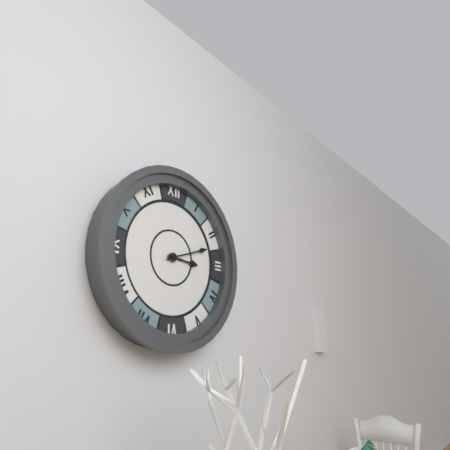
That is 3,12
